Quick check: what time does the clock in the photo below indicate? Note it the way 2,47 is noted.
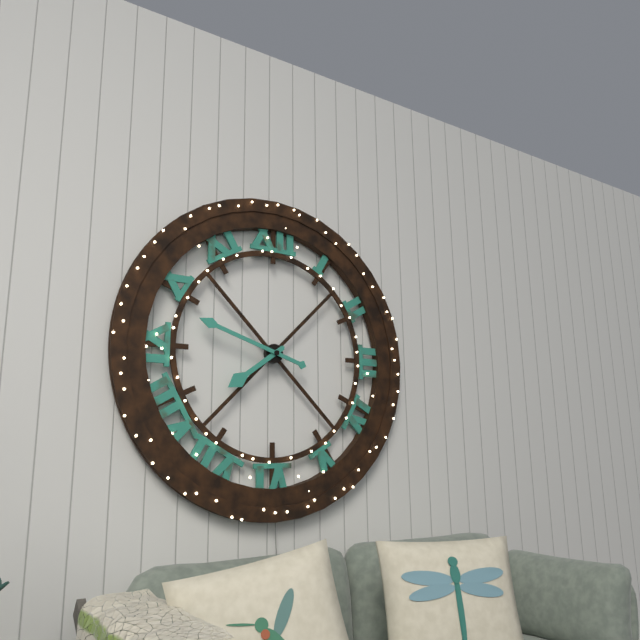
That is 7,48
